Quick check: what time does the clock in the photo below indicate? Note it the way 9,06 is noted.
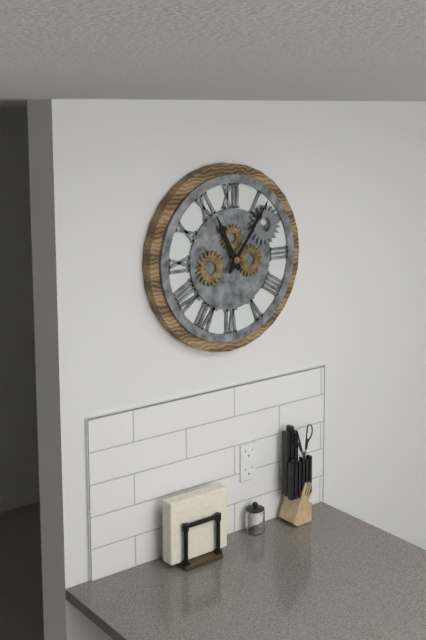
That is 11,06
